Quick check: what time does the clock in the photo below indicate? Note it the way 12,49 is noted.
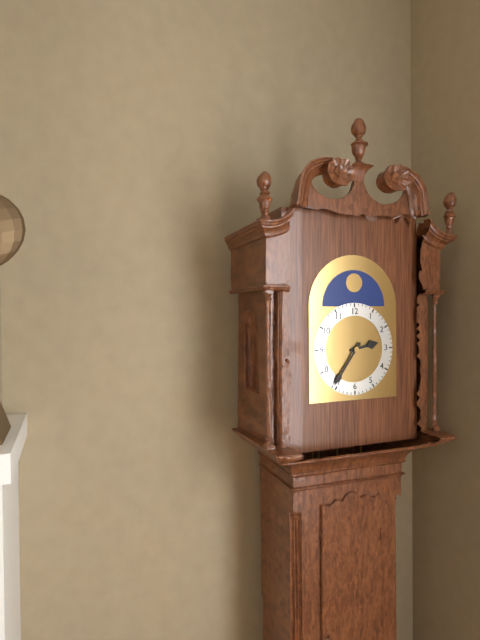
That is 2,36
